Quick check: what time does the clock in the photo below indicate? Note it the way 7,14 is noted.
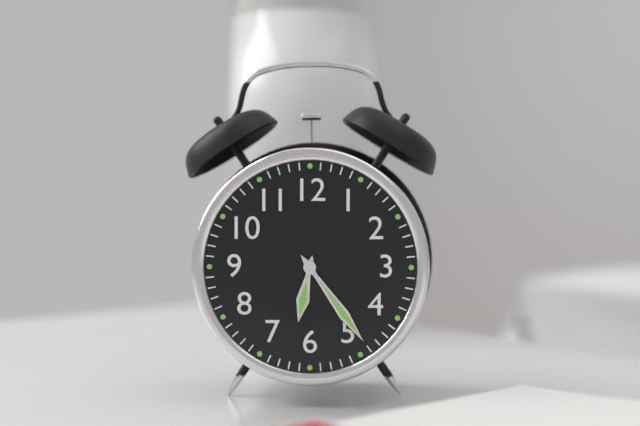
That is 6,24
